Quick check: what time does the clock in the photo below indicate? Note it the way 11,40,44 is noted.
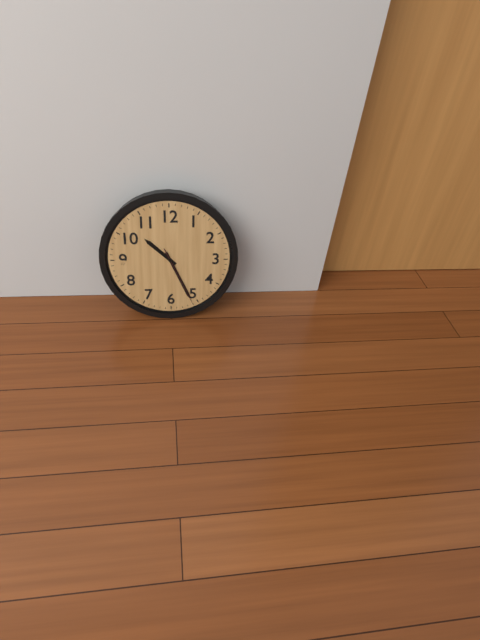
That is 10,26,26
